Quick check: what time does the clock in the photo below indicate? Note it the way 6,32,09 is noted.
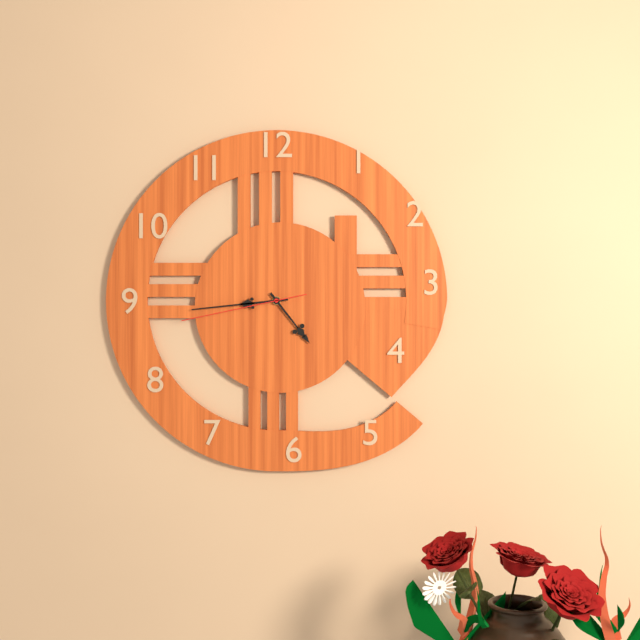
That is 4,44,43
